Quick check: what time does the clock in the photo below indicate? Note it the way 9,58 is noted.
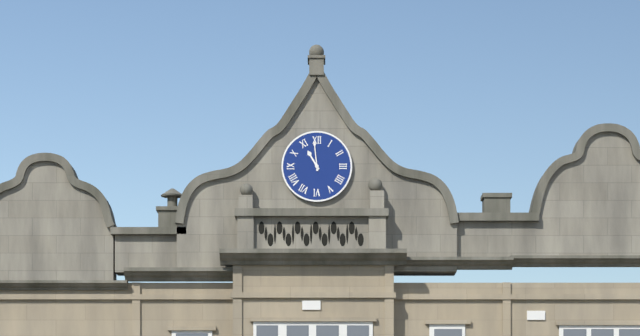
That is 10,59
